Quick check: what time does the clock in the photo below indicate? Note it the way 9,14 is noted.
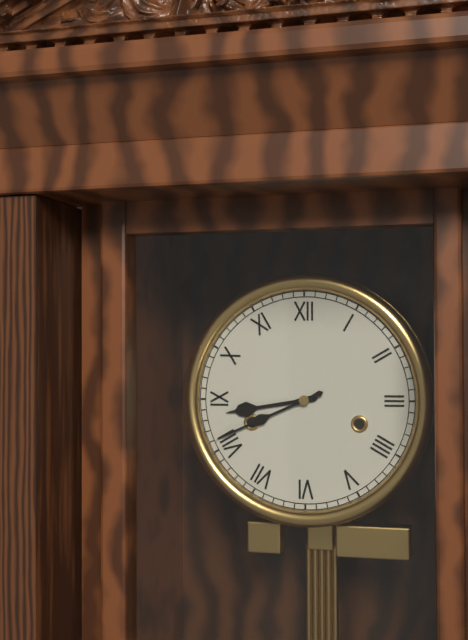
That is 8,41
